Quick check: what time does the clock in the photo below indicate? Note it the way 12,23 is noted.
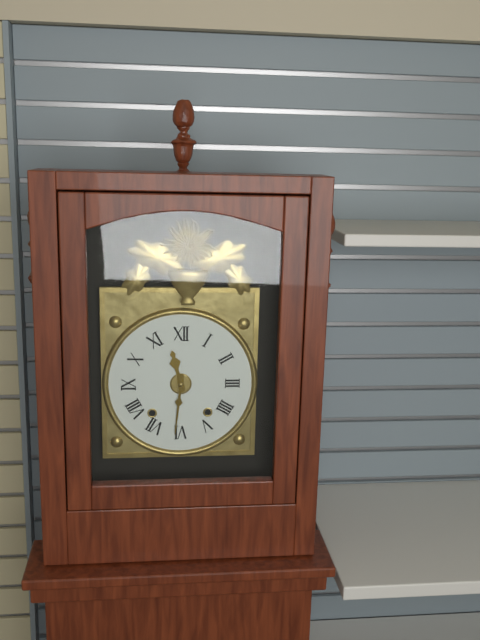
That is 11,31
